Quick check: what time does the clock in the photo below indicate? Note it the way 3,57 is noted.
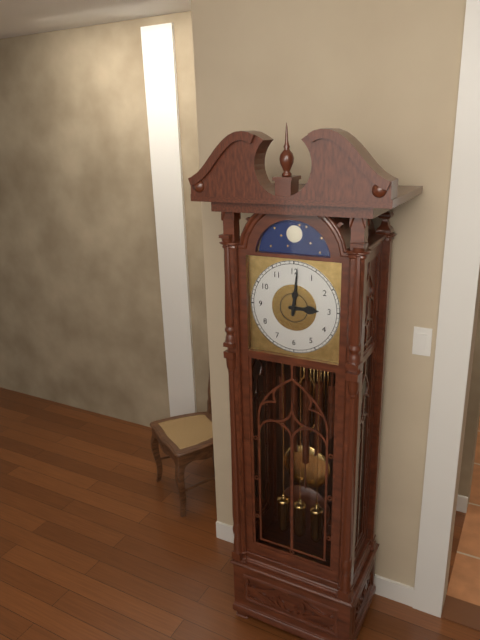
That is 3,01
